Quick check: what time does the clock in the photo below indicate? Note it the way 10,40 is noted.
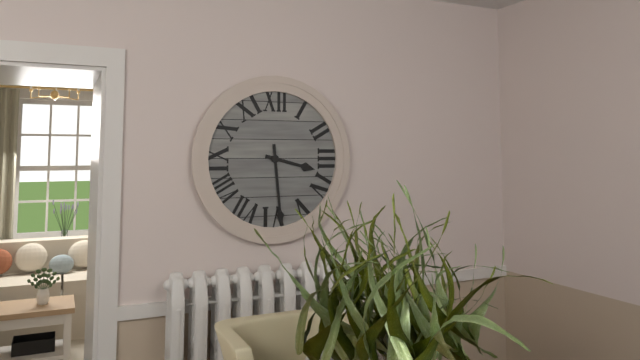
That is 3,29
